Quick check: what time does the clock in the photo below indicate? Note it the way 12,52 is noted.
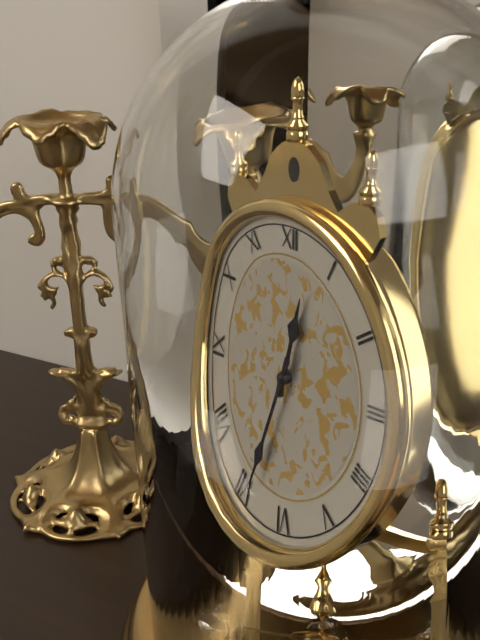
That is 12,34
